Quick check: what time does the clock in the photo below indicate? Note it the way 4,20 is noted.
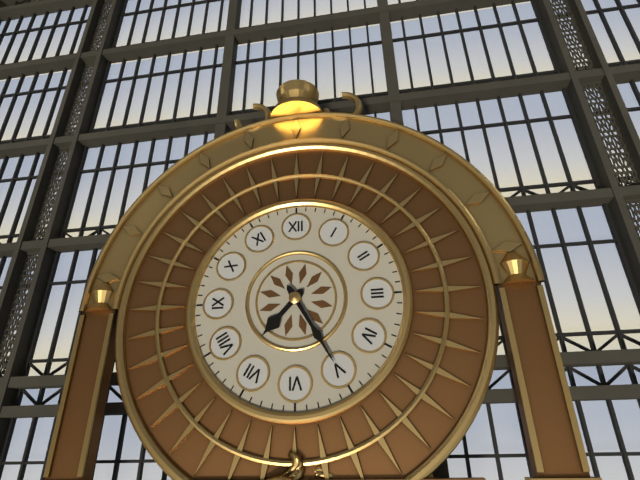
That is 7,25
